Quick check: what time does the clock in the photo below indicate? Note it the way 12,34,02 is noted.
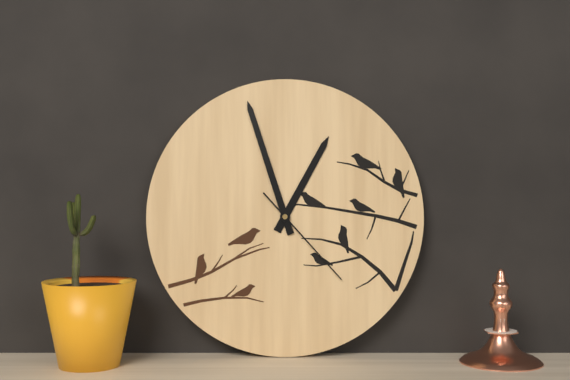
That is 12,57,23
